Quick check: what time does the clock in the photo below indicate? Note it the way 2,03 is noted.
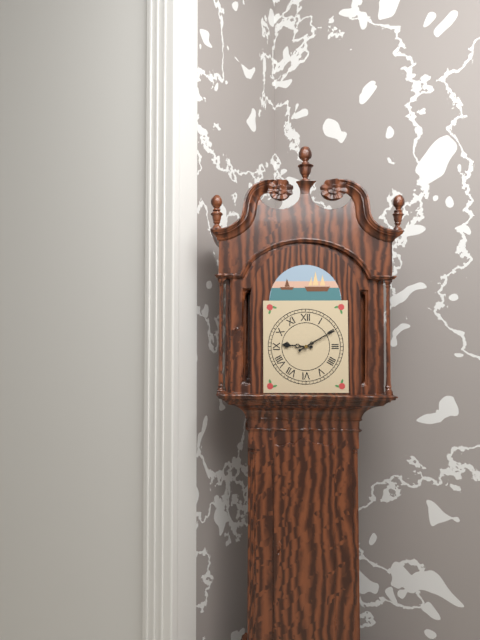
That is 9,10
